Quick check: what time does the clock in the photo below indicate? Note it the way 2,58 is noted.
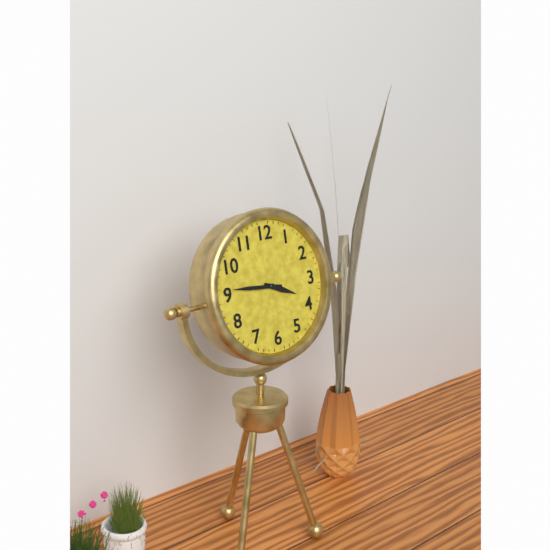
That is 3,46
